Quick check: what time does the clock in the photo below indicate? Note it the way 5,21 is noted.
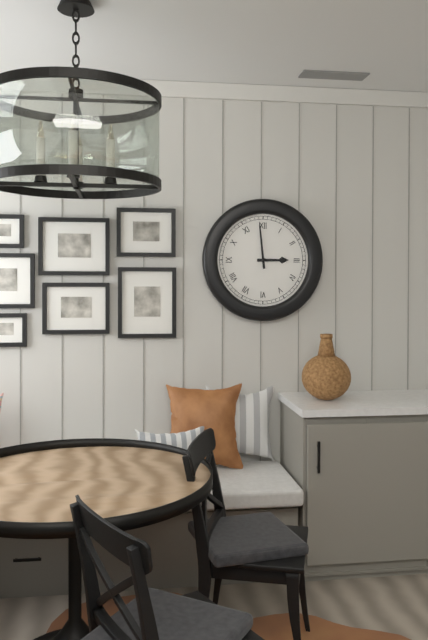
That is 2,59
